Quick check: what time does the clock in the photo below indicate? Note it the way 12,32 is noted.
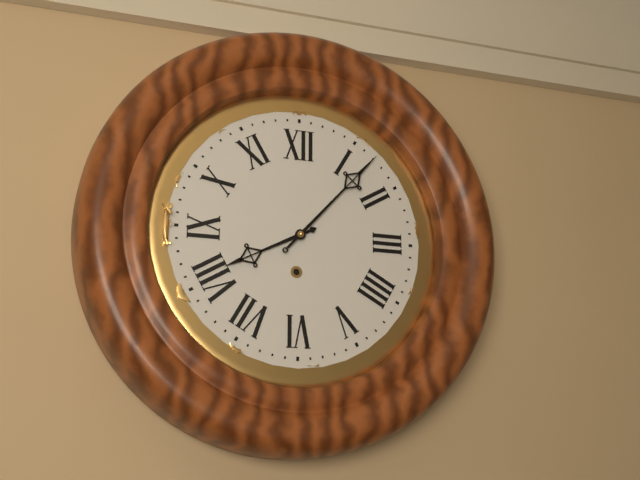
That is 8,07
